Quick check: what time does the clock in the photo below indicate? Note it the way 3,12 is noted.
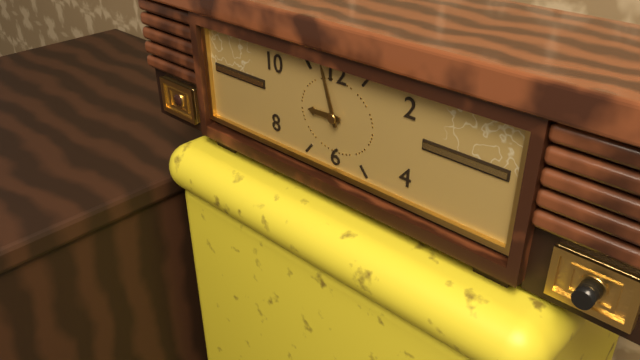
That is 8,57
